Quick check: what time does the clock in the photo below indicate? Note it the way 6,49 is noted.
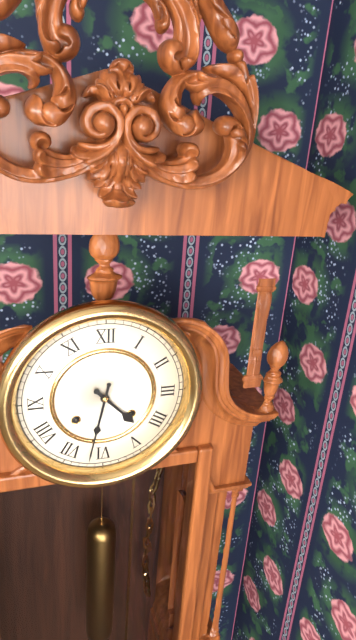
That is 4,32
